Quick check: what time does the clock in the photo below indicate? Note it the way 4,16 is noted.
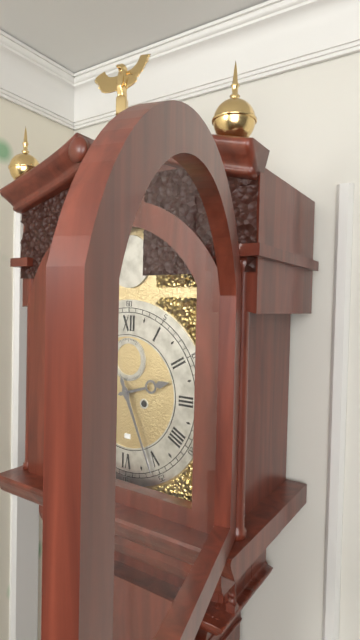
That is 2,26
